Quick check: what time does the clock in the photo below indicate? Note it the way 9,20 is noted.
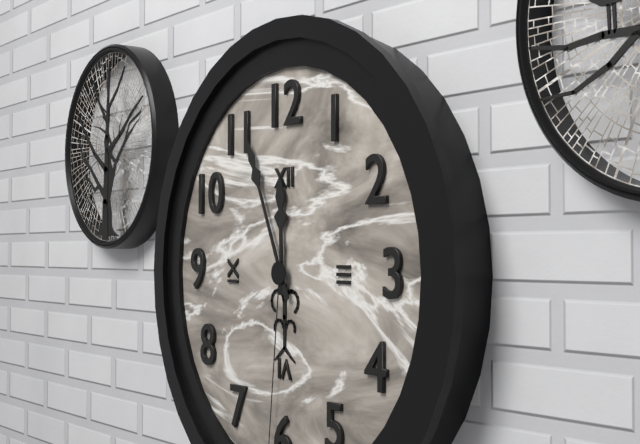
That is 11,56
